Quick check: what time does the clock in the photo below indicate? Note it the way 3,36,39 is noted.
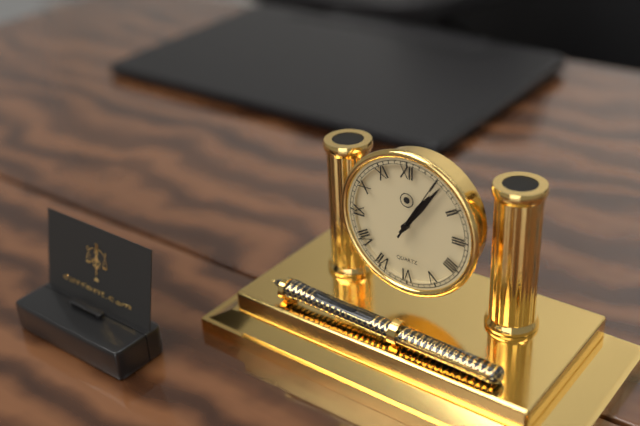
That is 1,06,05
